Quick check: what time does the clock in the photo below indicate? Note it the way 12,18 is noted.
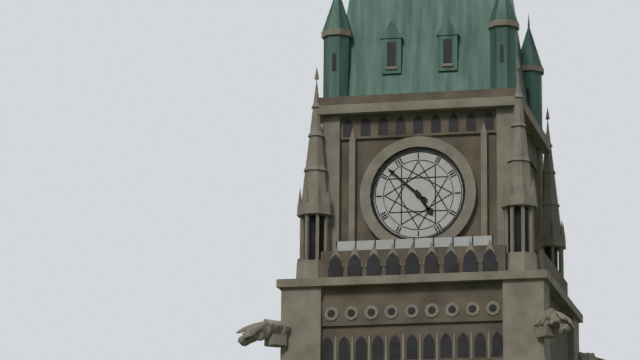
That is 4,52
